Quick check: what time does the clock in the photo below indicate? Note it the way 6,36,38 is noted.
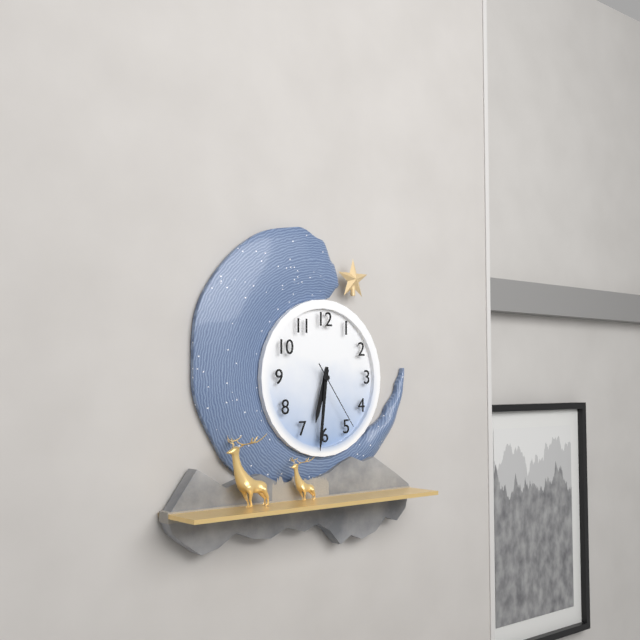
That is 6,31,24
